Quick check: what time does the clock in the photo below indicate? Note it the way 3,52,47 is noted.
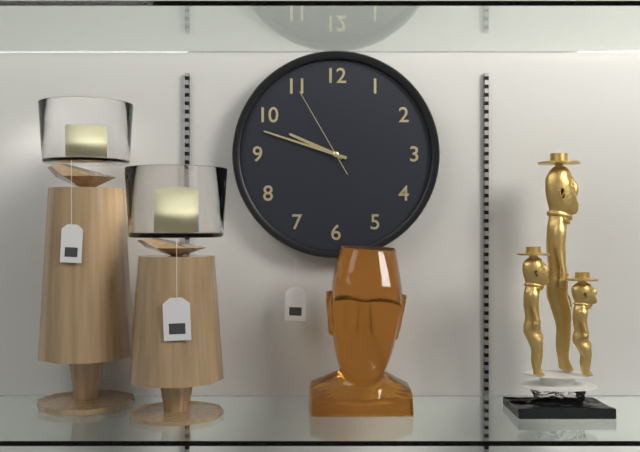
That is 9,48,55
